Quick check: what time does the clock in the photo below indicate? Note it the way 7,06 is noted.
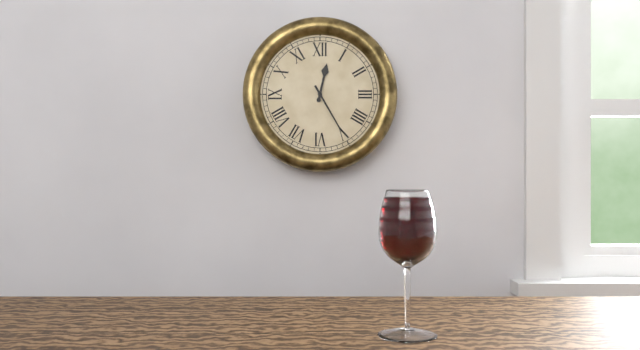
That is 12,25
